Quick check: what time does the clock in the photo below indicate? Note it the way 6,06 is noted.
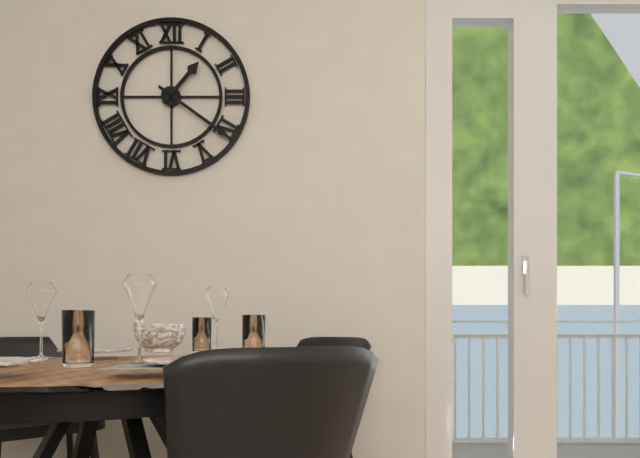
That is 1,21
